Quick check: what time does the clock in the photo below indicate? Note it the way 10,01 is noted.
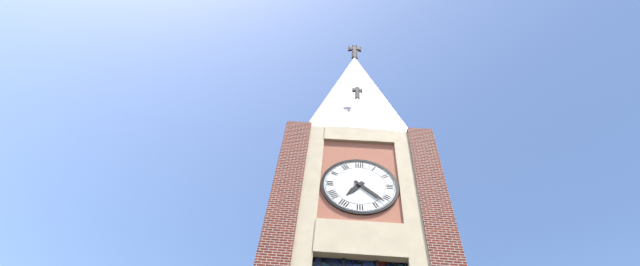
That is 7,22
